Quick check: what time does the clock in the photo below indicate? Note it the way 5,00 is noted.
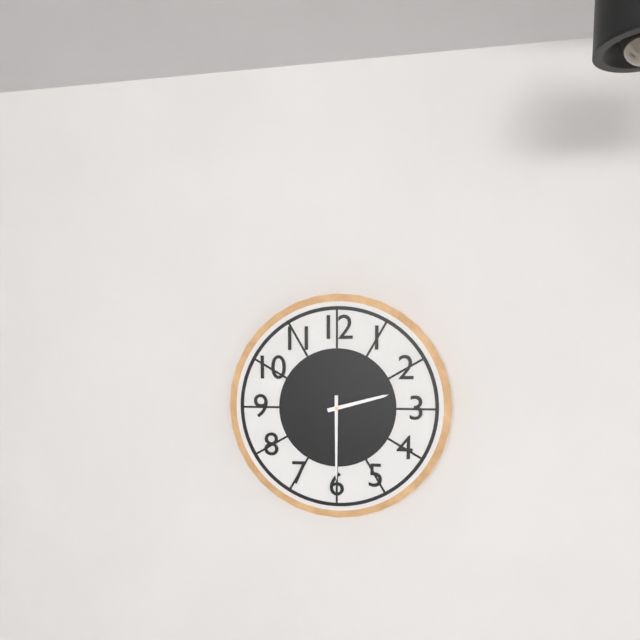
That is 2,30
